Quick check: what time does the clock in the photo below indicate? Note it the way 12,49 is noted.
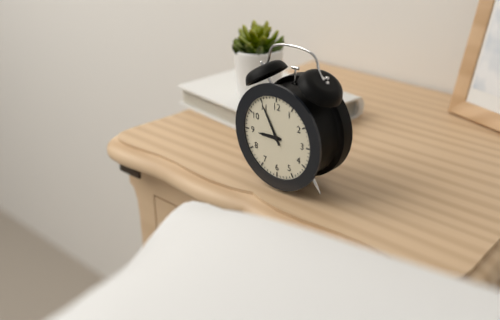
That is 8,55
